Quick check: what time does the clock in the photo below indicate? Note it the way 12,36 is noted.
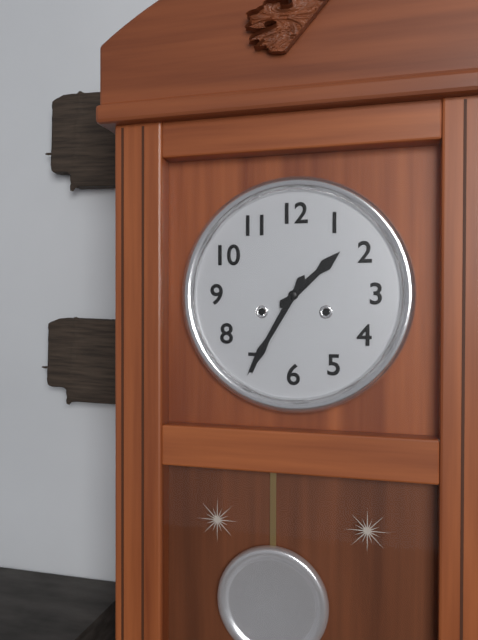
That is 1,35
